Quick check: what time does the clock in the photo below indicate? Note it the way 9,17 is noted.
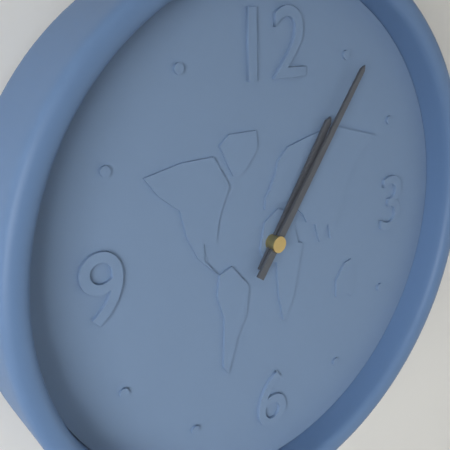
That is 1,06
